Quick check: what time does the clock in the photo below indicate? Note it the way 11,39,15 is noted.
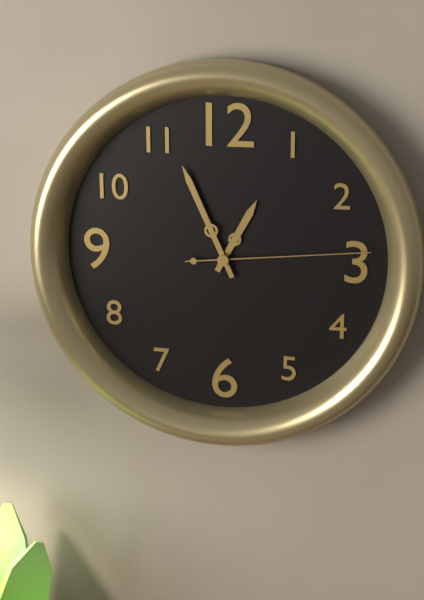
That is 12,56,14
